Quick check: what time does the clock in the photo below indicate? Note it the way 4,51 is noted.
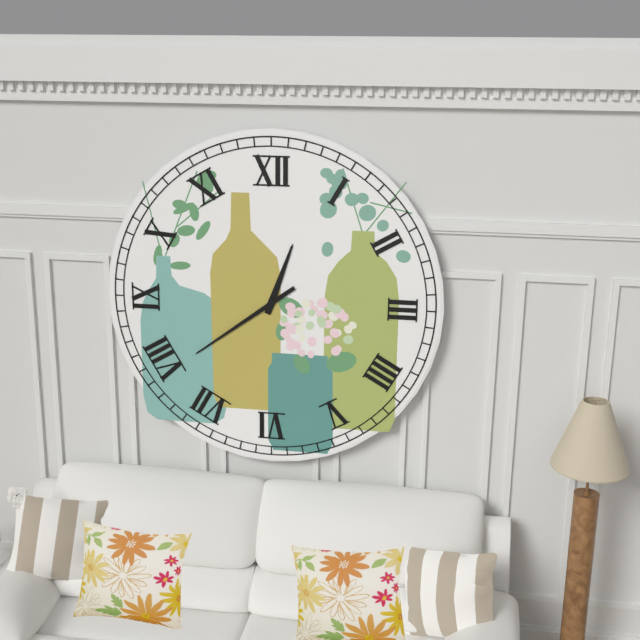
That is 12,39
